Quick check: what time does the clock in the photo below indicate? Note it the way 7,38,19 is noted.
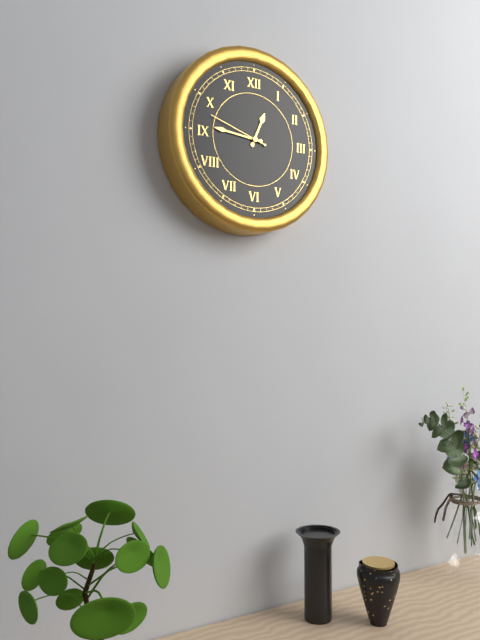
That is 12,46,48
